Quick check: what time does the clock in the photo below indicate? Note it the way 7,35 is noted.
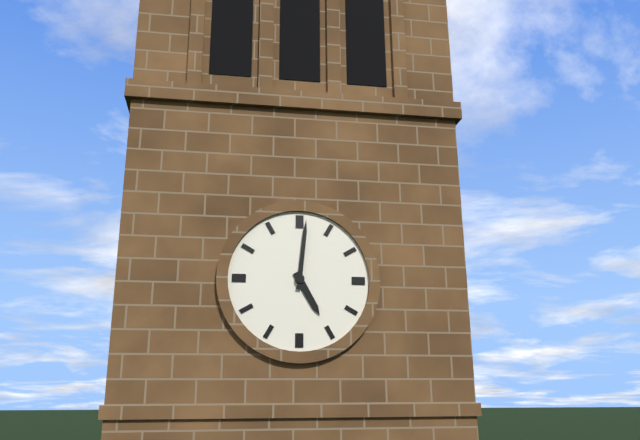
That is 5,01
